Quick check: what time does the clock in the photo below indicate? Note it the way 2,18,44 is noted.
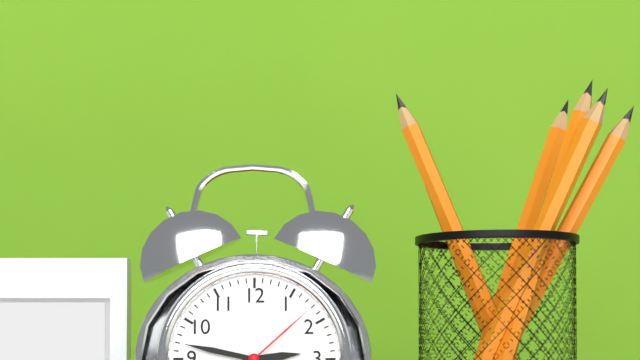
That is 2,47,08
